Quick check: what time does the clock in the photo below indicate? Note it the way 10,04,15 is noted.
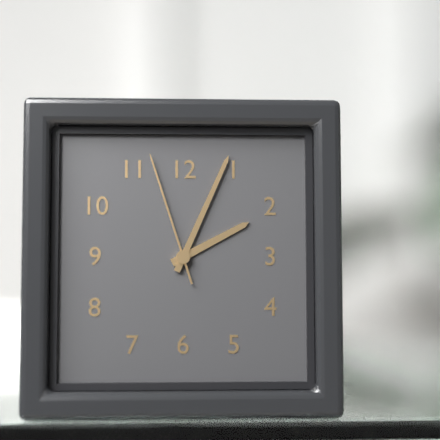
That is 2,04,57
